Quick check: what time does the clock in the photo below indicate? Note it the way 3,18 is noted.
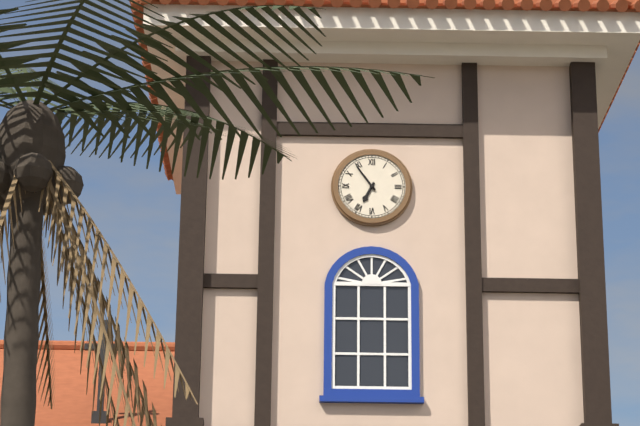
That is 6,54
